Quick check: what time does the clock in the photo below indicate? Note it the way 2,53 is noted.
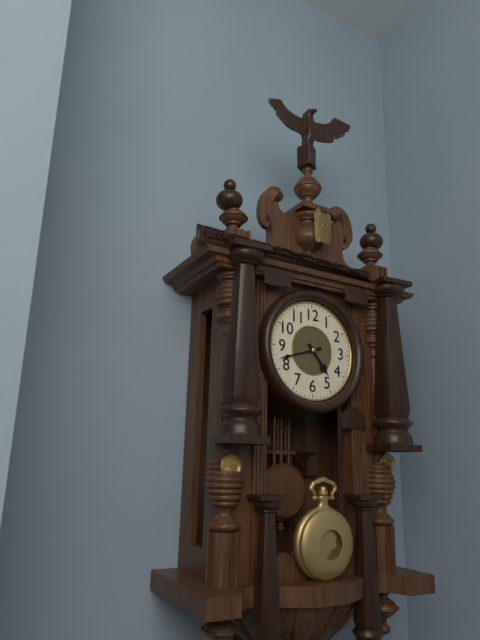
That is 4,42
